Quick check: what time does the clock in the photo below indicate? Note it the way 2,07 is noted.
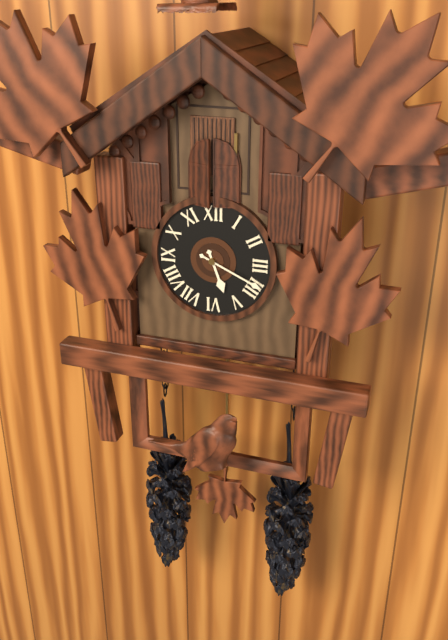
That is 5,19
